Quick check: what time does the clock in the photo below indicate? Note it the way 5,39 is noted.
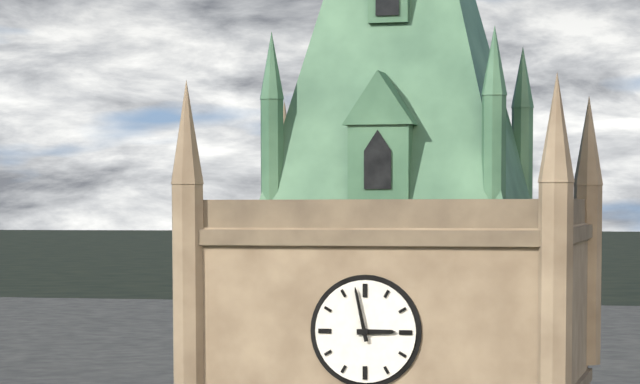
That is 2,58
